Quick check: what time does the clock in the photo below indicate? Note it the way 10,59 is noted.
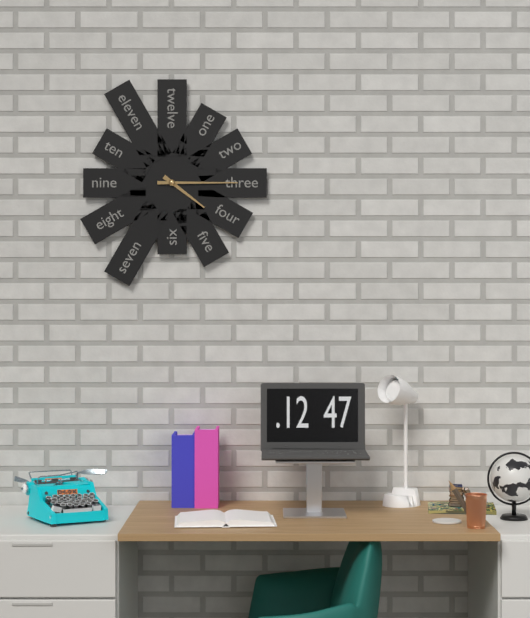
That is 4,15
